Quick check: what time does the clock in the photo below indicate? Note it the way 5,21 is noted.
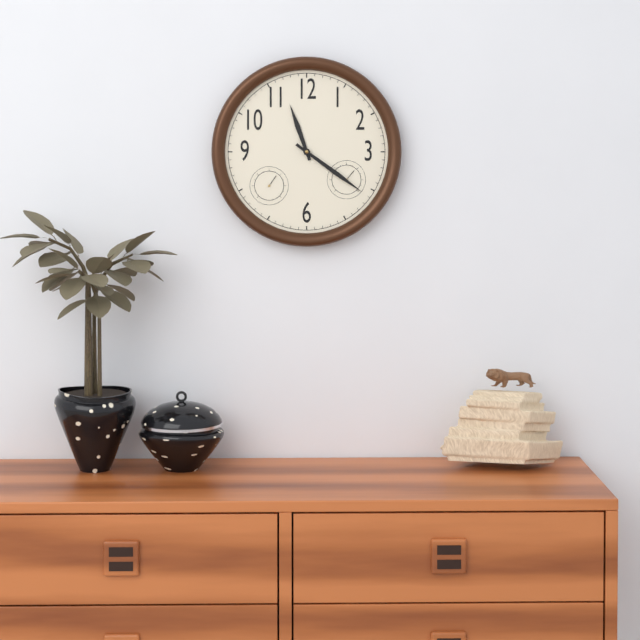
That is 11,21
